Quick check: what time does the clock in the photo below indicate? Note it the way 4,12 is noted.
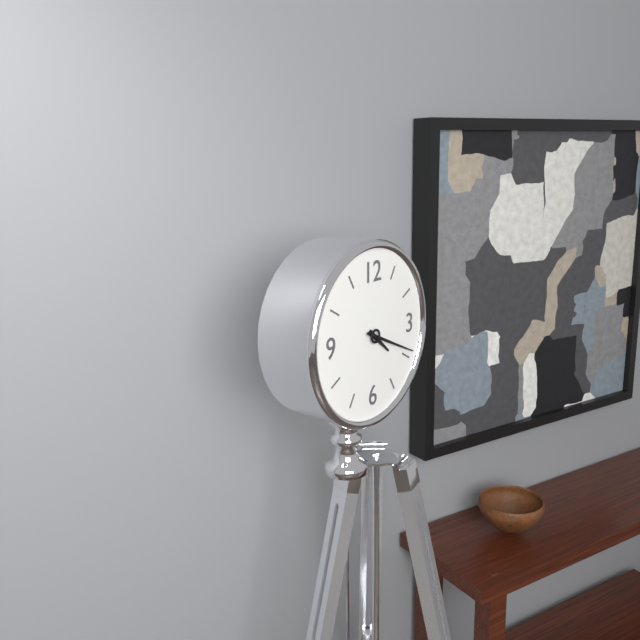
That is 4,19
